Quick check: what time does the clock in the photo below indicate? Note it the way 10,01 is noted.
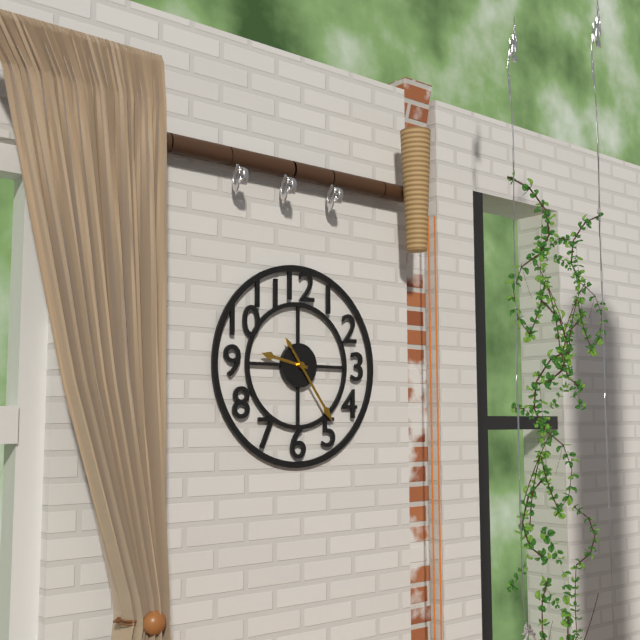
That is 9,24
